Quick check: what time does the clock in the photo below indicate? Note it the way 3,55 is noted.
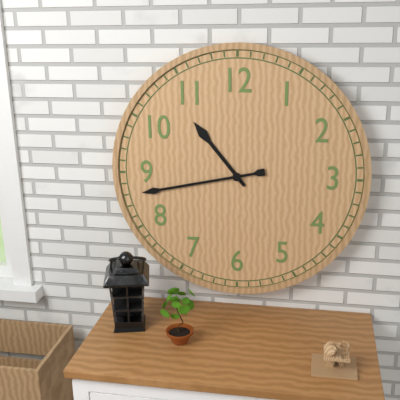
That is 10,43
